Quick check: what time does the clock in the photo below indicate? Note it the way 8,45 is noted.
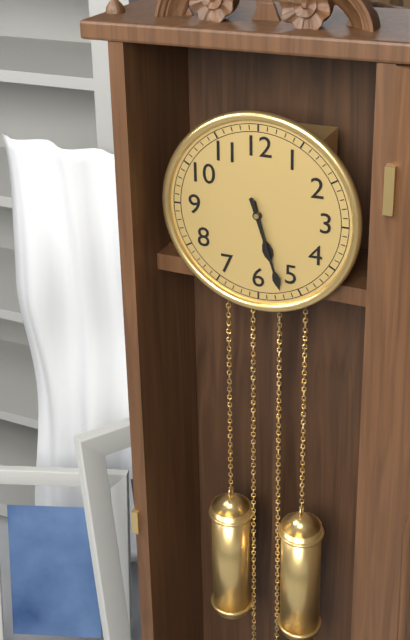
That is 5,27
